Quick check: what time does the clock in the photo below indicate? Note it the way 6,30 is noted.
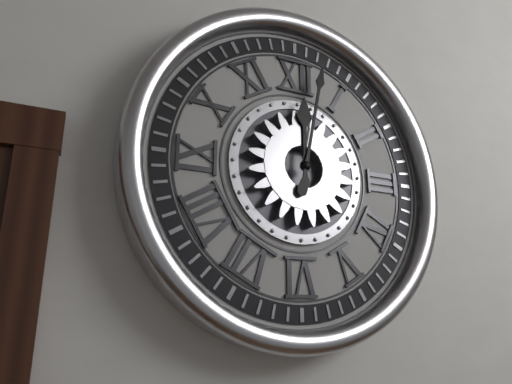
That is 12,02
